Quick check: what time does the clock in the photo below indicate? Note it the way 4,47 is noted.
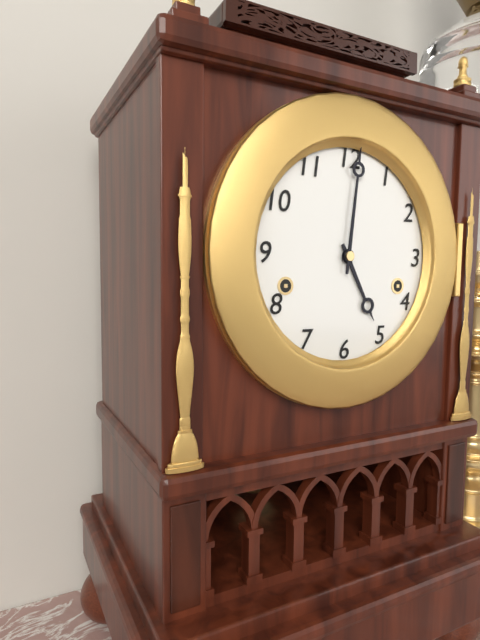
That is 5,01
